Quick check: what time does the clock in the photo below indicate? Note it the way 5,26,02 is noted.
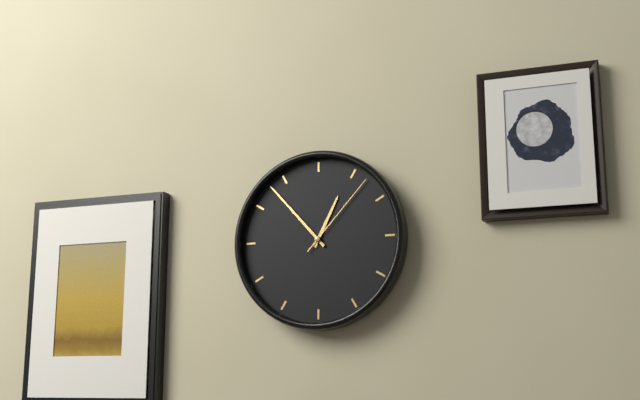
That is 12,53,07
